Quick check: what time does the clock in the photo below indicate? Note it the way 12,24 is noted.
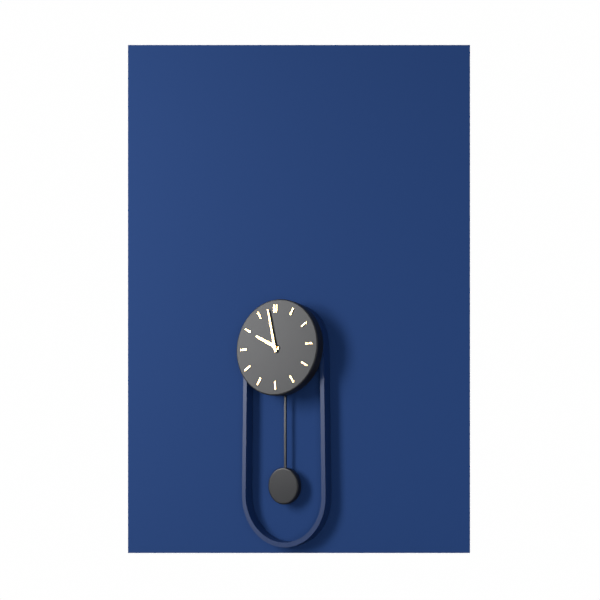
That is 9,58
